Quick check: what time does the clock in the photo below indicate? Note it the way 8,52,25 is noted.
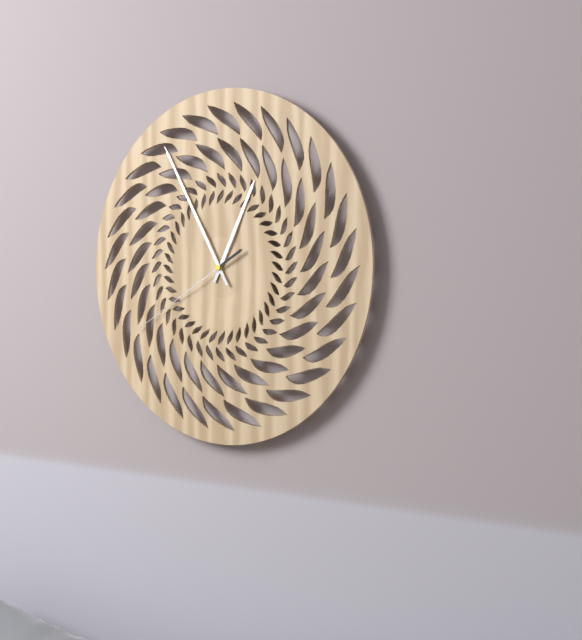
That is 12,55,40
